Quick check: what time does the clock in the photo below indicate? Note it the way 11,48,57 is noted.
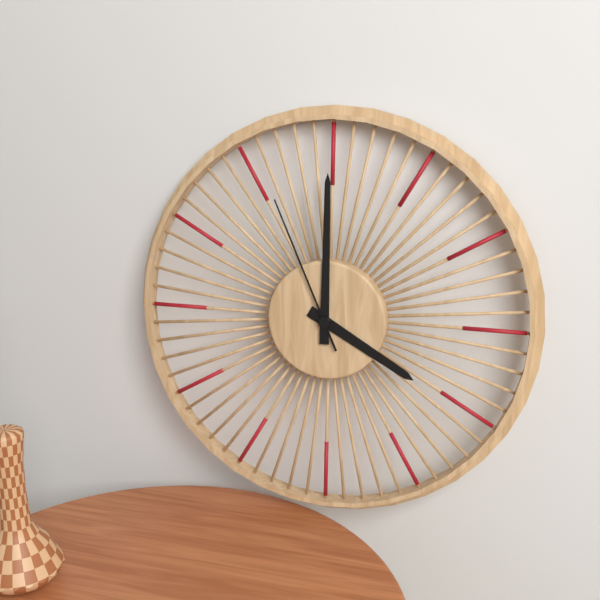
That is 4,00,56
